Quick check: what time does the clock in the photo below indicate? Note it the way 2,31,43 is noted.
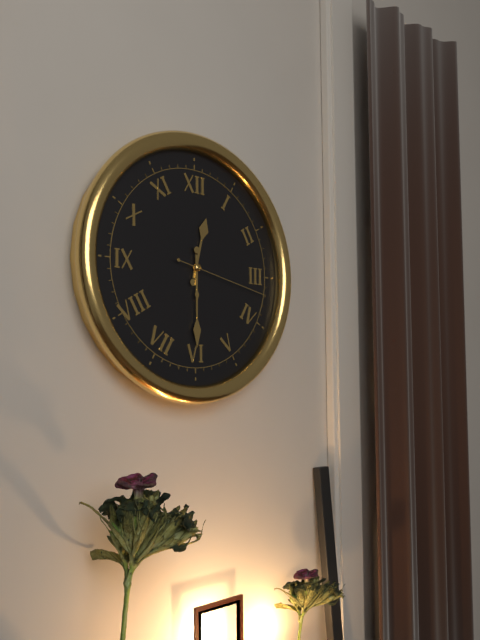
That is 12,30,17
